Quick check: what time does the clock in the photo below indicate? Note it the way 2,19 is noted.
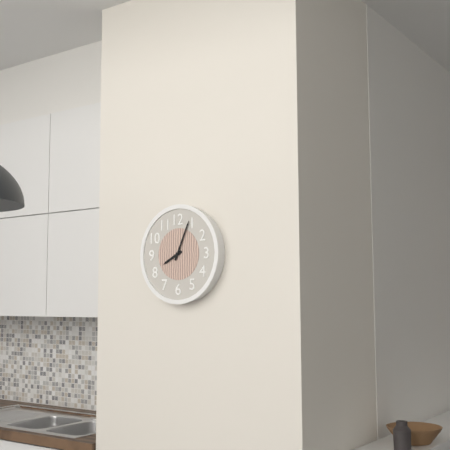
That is 8,04
